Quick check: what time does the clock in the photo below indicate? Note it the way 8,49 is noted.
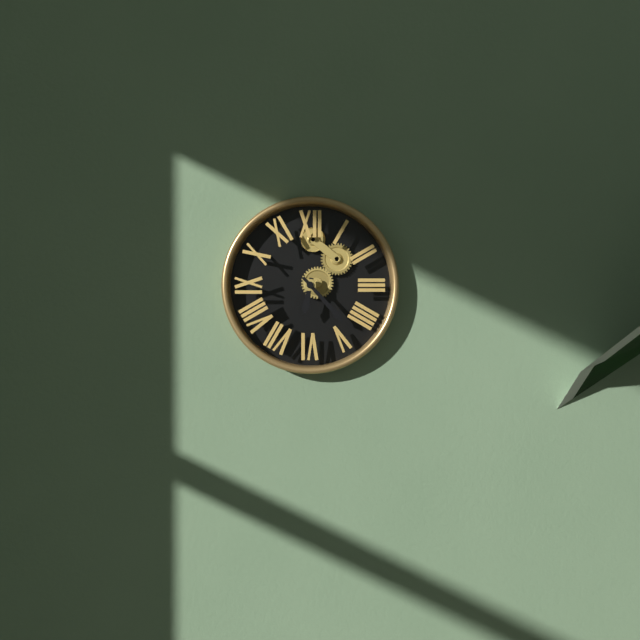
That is 6,23
